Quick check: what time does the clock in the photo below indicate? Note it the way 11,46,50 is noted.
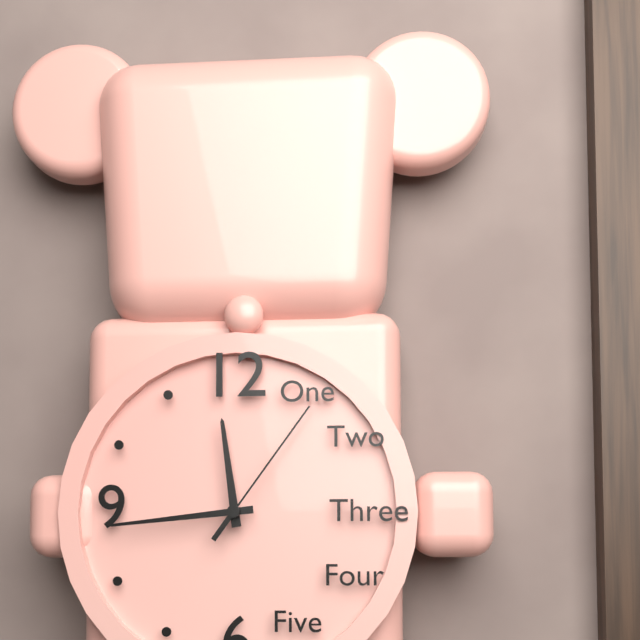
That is 11,44,06
